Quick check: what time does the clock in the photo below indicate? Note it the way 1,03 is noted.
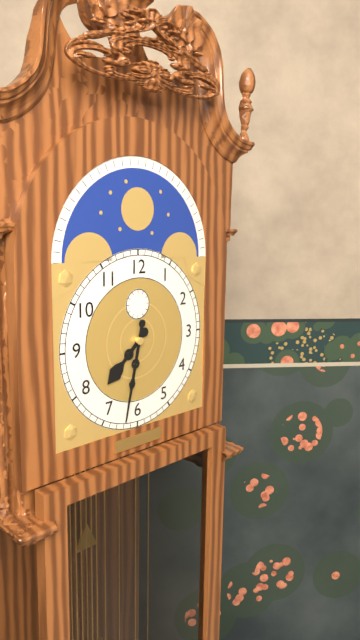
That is 7,32
